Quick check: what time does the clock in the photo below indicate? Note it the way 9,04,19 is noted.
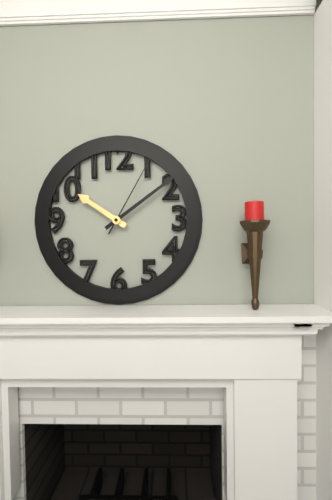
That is 10,09,05
